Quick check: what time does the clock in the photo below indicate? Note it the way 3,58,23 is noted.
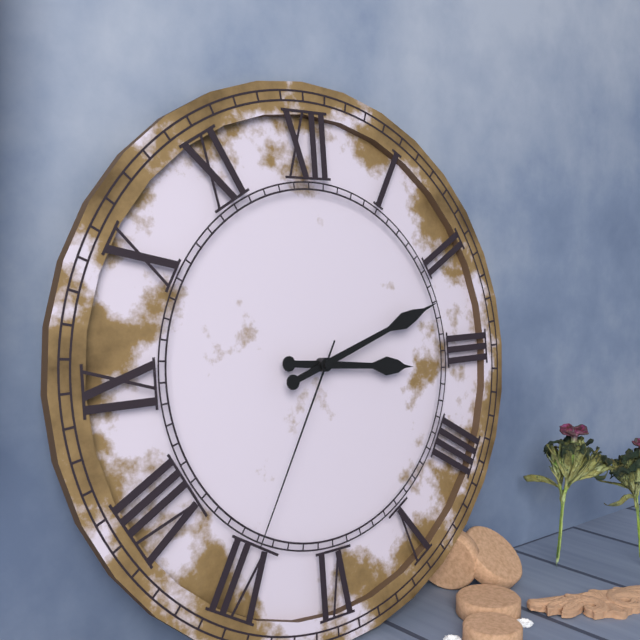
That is 3,12,35
